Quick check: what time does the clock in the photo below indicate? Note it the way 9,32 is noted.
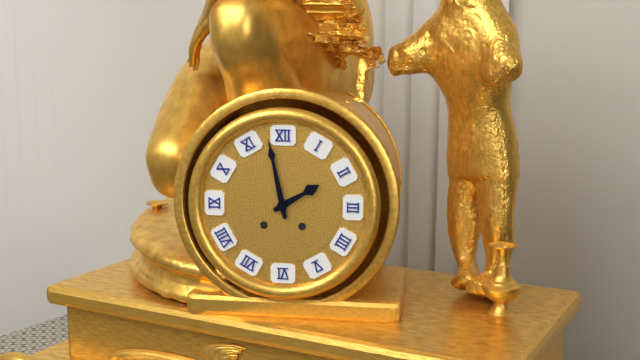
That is 1,58
